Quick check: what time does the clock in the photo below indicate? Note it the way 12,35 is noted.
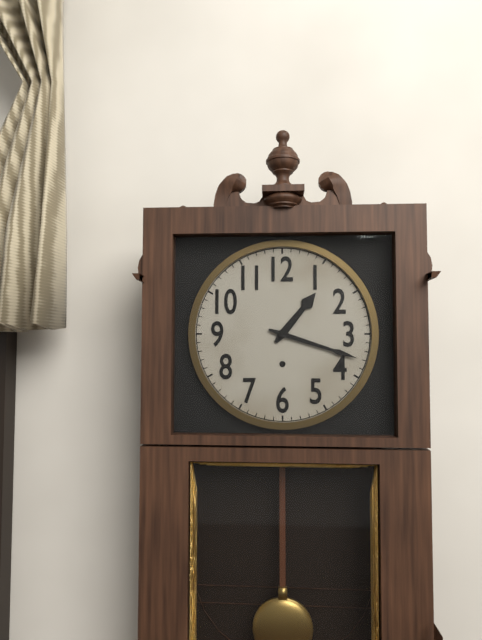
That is 1,18
